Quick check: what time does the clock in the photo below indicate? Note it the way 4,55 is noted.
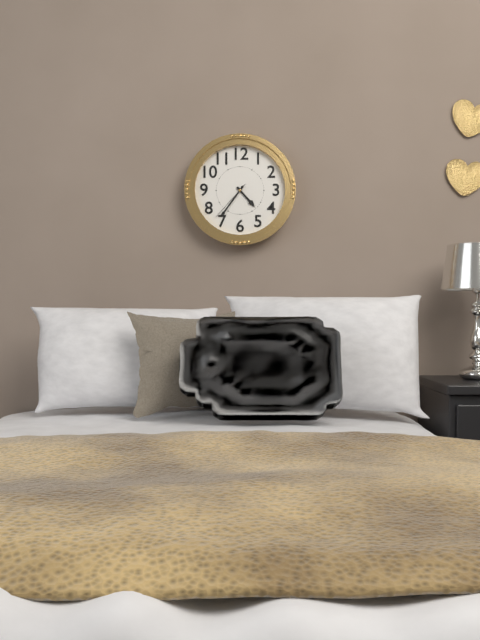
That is 4,36
